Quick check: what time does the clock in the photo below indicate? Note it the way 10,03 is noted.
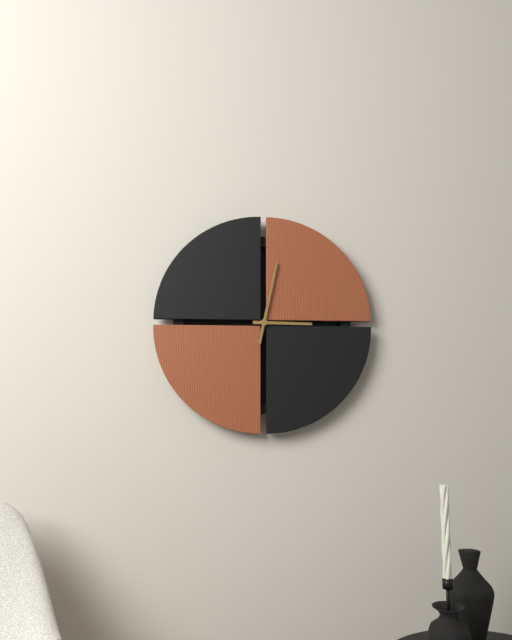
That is 3,02
